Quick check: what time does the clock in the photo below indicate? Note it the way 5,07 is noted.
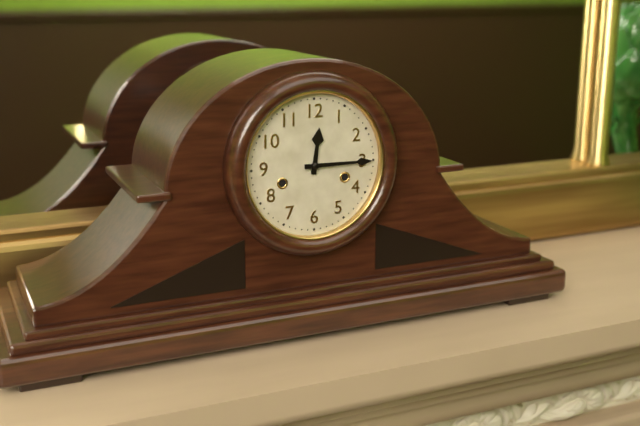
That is 12,15
